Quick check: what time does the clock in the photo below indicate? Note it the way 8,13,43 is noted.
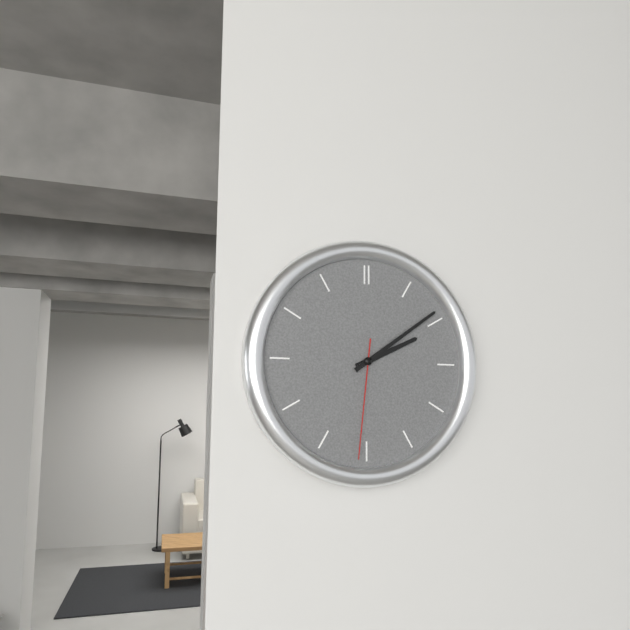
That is 2,09,31
